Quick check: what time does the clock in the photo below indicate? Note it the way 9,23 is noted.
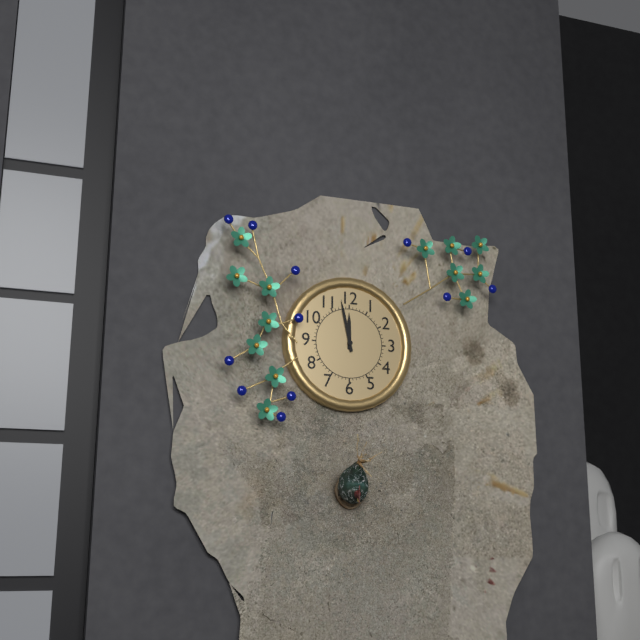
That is 11,58
